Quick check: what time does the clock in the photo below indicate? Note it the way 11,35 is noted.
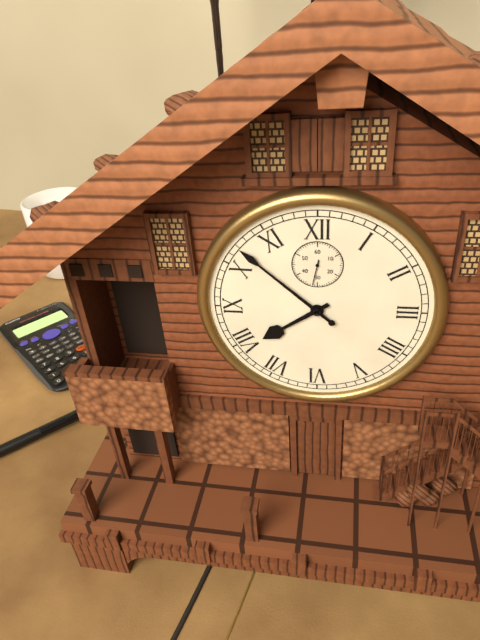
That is 7,52
